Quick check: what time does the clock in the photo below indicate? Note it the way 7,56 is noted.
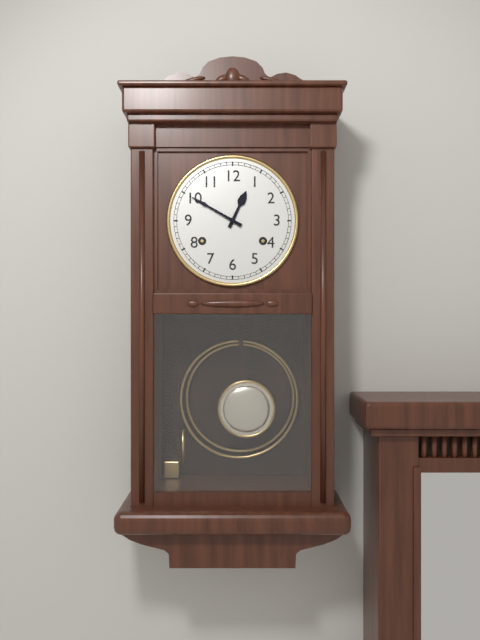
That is 12,50
